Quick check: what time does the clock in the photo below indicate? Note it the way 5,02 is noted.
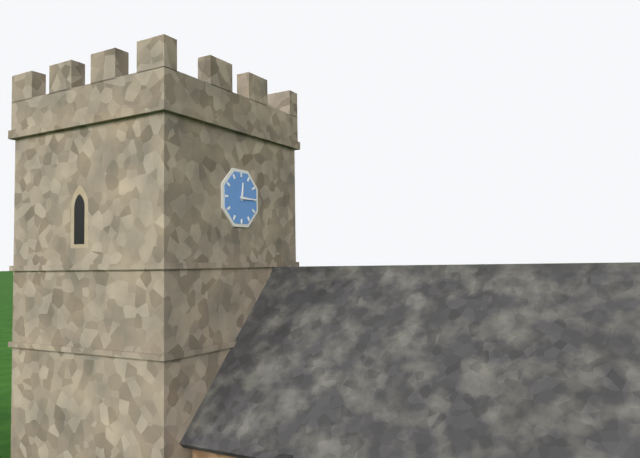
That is 12,15
